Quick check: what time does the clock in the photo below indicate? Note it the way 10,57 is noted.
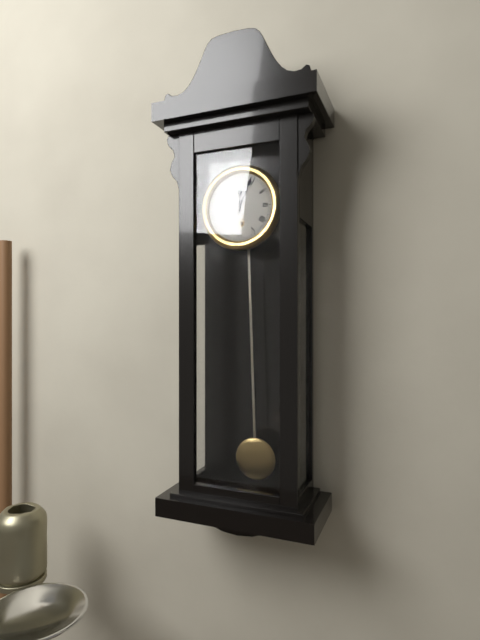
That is 12,04
